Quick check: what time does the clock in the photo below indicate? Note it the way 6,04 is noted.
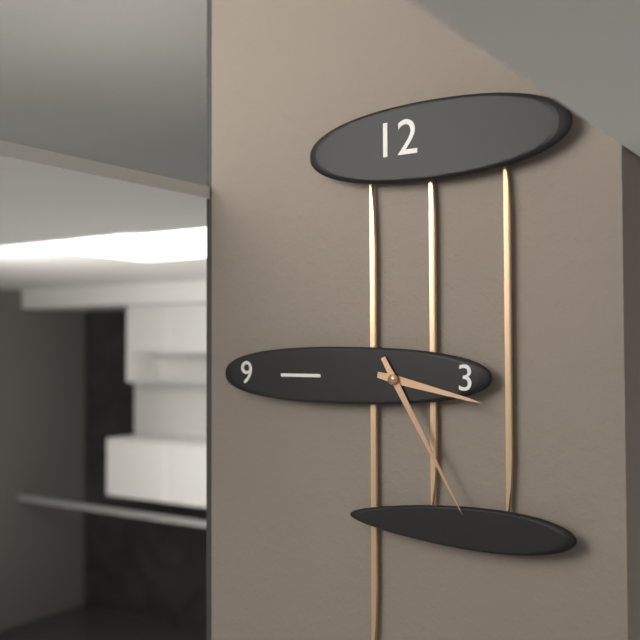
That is 3,25
